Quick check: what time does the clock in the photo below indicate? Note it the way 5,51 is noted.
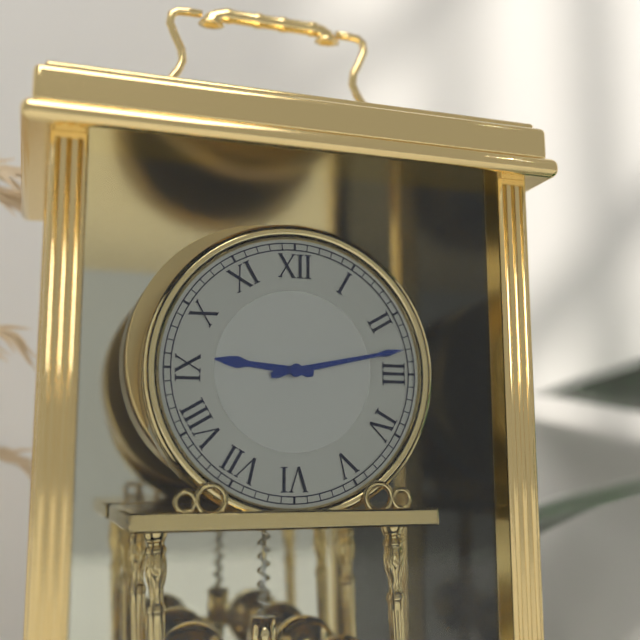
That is 9,13
